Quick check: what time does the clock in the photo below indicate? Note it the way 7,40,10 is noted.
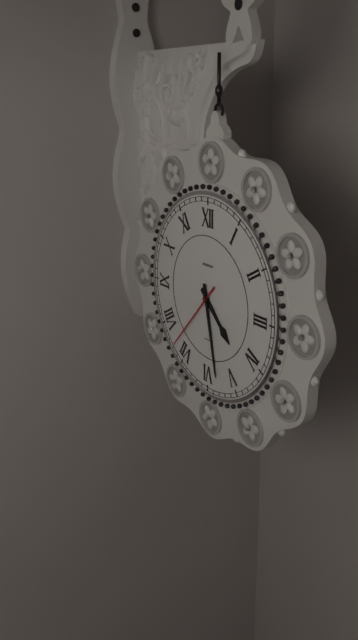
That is 4,28,37
